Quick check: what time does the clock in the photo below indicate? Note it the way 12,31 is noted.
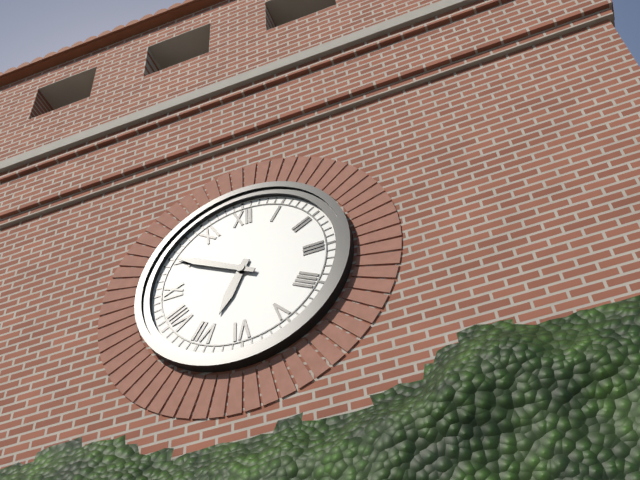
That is 6,50
